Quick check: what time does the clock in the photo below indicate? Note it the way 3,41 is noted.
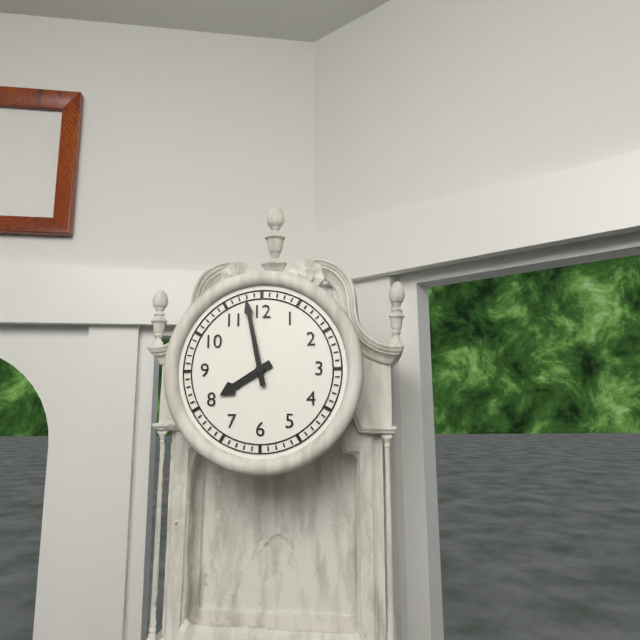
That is 7,58
